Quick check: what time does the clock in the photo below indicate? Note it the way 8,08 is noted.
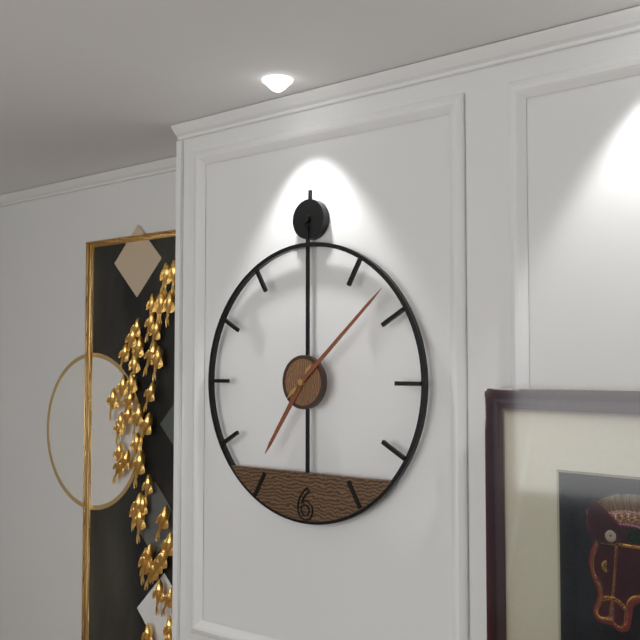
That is 7,08
